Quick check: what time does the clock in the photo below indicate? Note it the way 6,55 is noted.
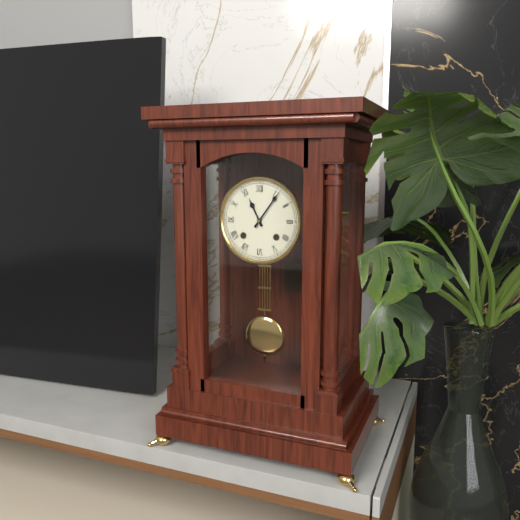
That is 11,06
